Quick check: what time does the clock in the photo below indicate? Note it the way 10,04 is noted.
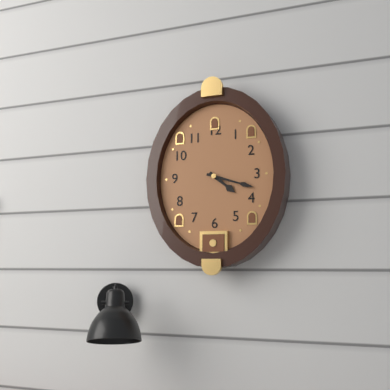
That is 4,18
